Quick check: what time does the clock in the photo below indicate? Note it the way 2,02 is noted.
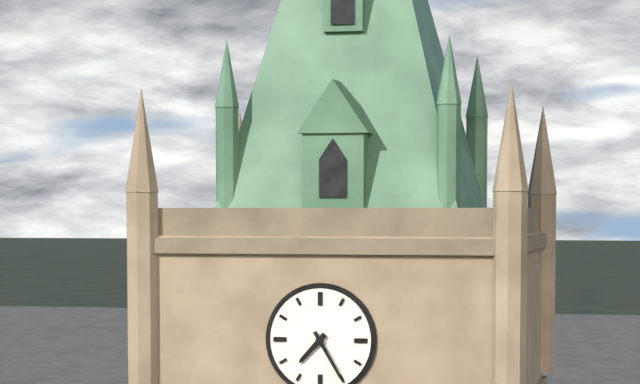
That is 7,25
